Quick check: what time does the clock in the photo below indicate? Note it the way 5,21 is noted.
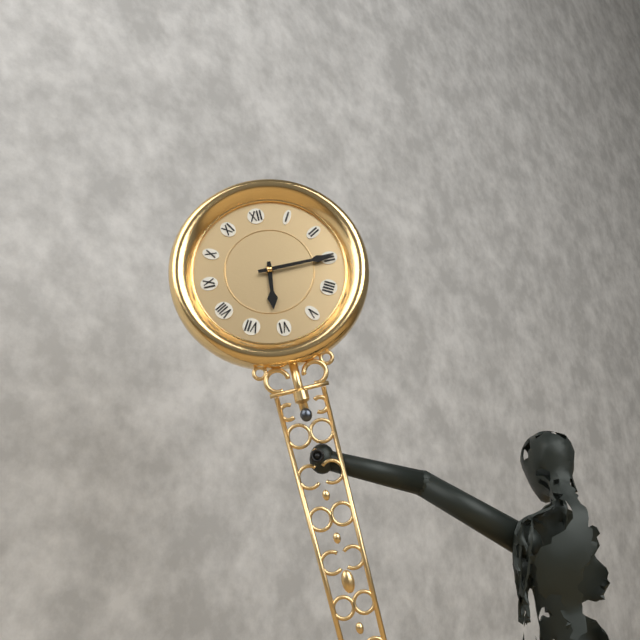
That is 6,15
